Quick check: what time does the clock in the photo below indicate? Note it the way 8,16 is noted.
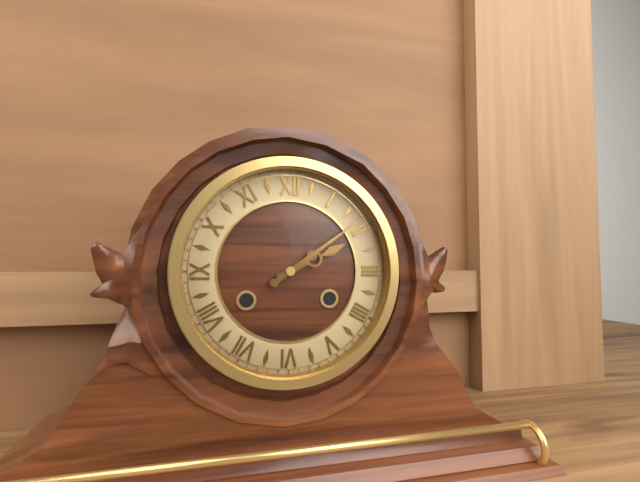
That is 2,09
